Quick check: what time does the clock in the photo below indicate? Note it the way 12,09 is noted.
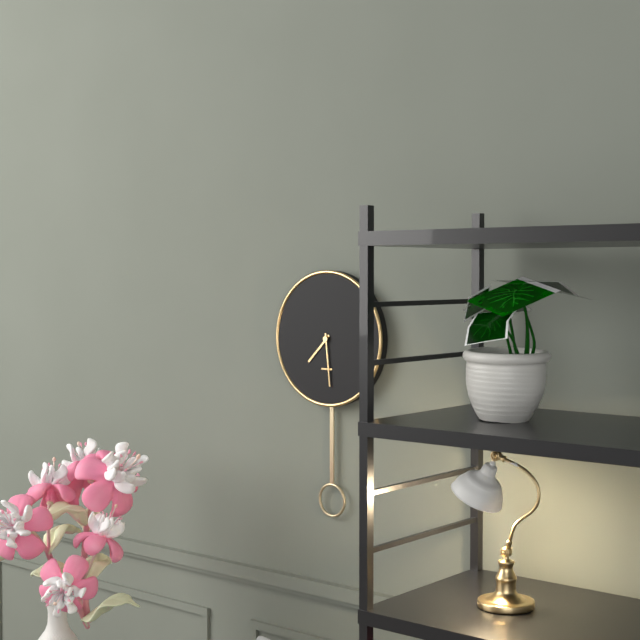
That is 7,29
